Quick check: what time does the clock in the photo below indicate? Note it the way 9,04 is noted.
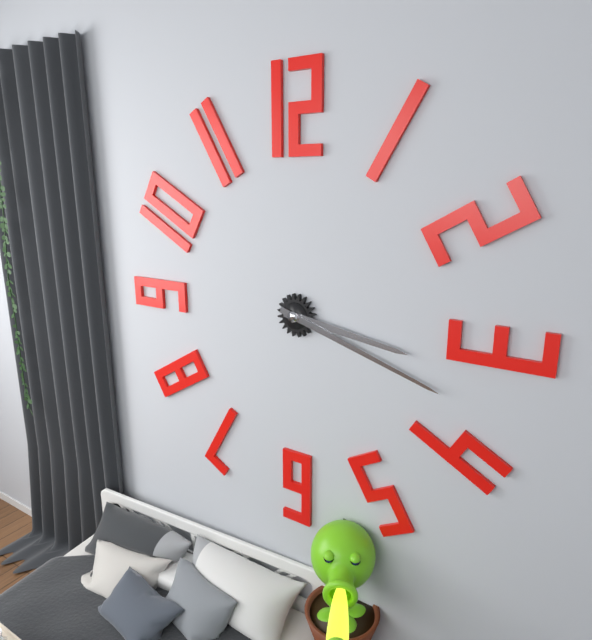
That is 3,18
